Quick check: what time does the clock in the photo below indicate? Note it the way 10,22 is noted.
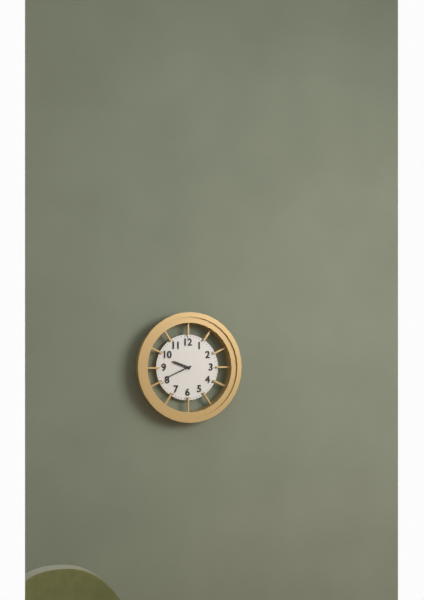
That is 9,41
